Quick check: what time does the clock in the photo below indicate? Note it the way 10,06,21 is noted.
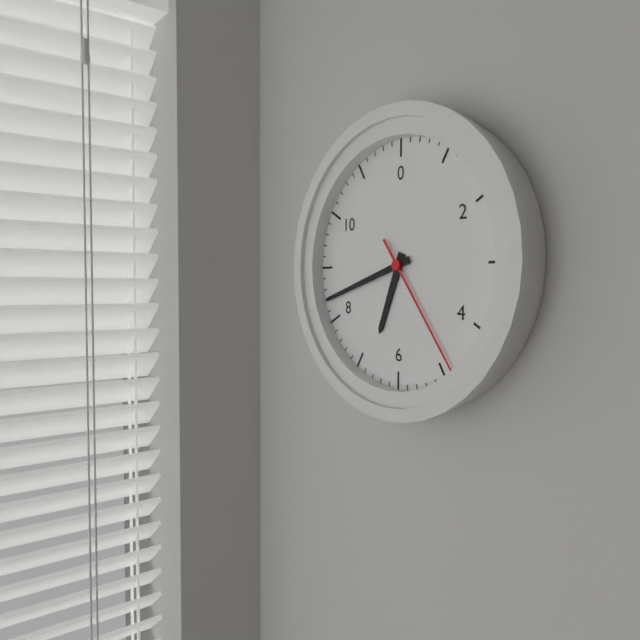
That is 6,42,24
